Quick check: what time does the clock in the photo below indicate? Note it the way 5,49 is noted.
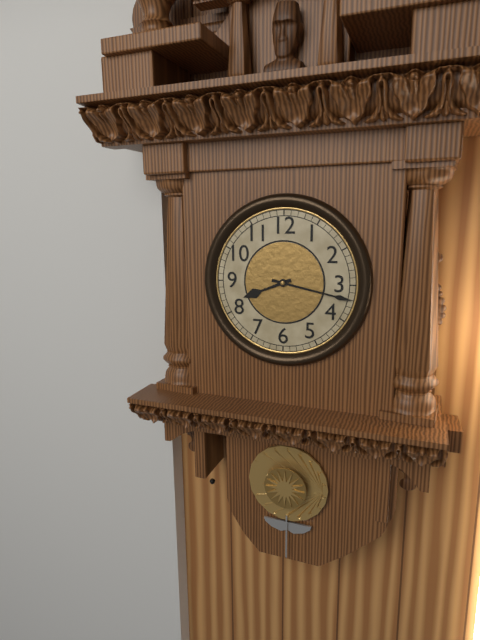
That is 8,17
